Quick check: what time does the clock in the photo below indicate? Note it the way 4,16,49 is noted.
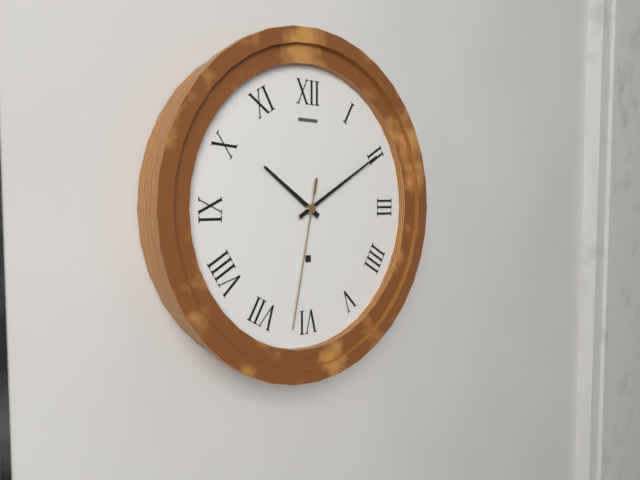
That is 10,10,32
